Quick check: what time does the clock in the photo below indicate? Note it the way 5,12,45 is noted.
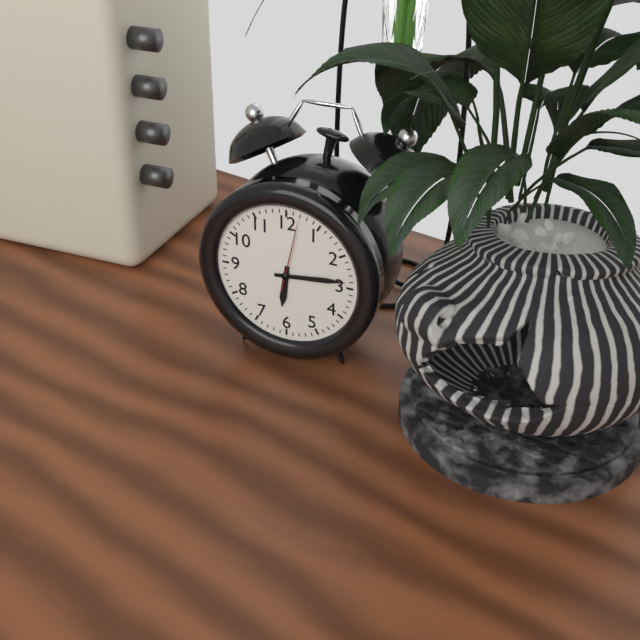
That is 6,14,02
